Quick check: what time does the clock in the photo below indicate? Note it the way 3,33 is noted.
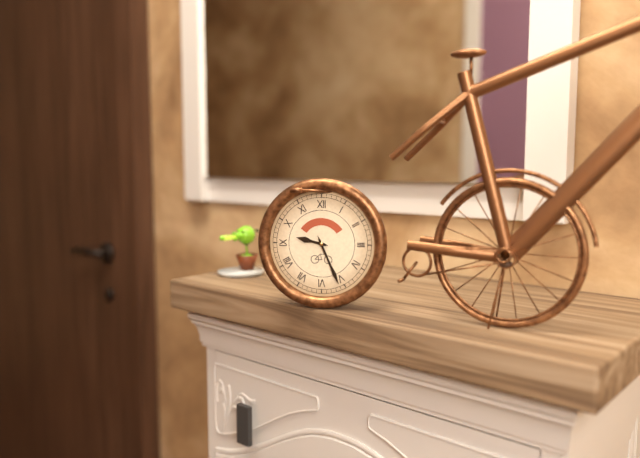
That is 9,26
